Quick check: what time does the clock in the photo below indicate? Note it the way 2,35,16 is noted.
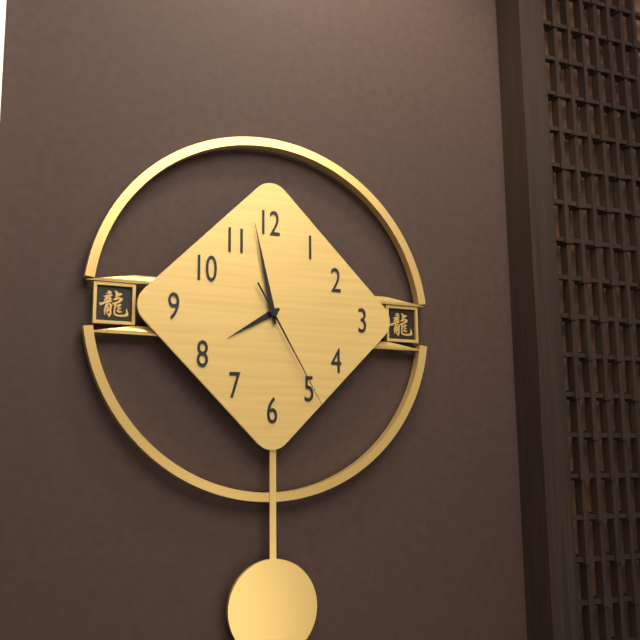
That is 7,58,25
